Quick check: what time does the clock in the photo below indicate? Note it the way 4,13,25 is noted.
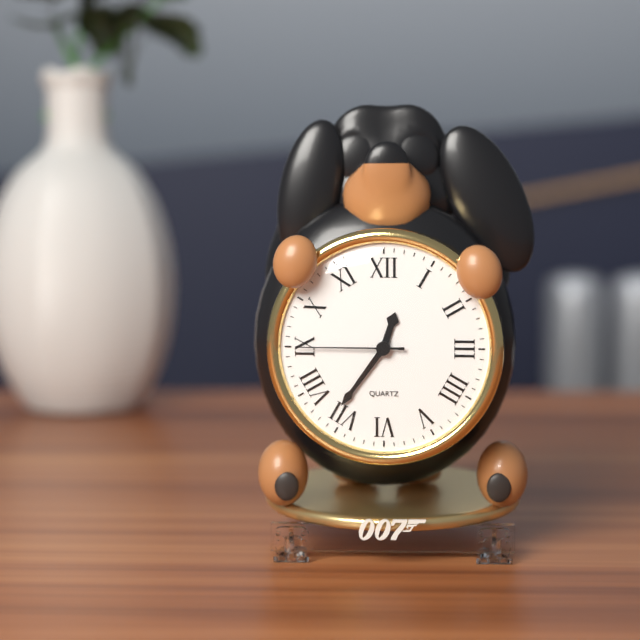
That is 12,36,45
